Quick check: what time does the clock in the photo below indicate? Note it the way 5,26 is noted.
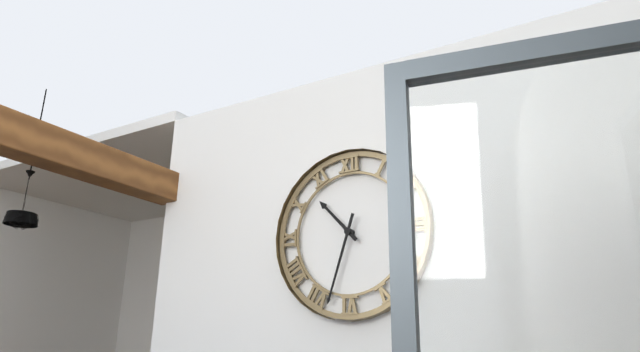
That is 10,33
